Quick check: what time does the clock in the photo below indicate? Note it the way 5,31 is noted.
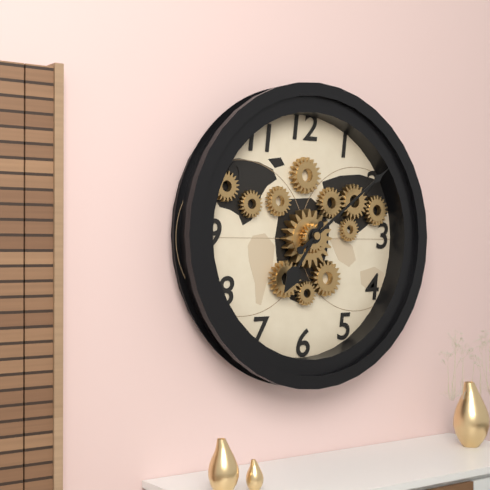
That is 7,09
